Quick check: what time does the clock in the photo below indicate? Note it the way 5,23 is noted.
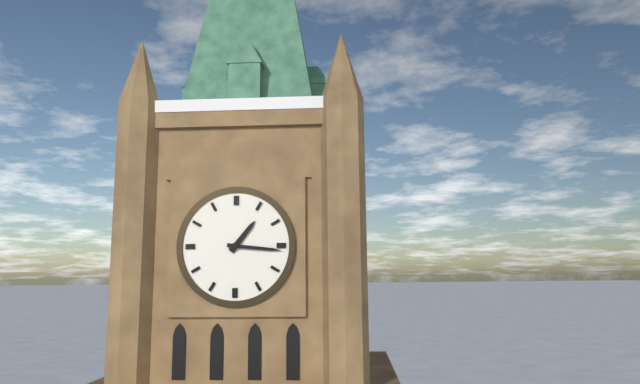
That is 1,16
